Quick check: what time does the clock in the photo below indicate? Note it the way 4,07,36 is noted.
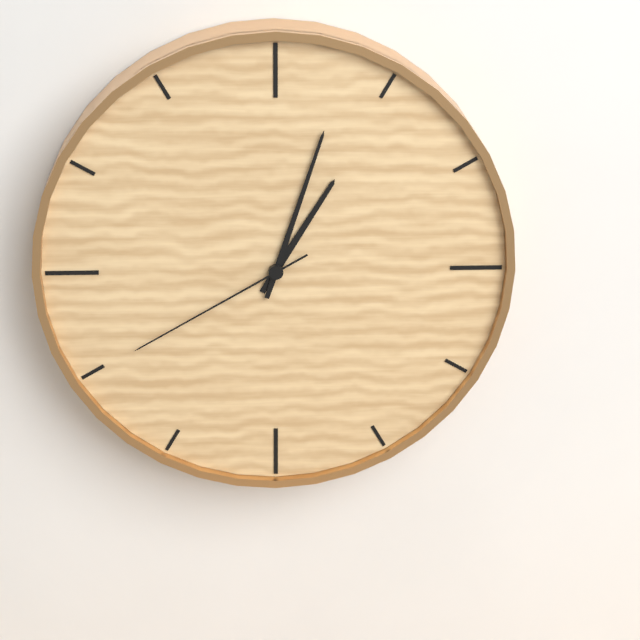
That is 1,03,40
